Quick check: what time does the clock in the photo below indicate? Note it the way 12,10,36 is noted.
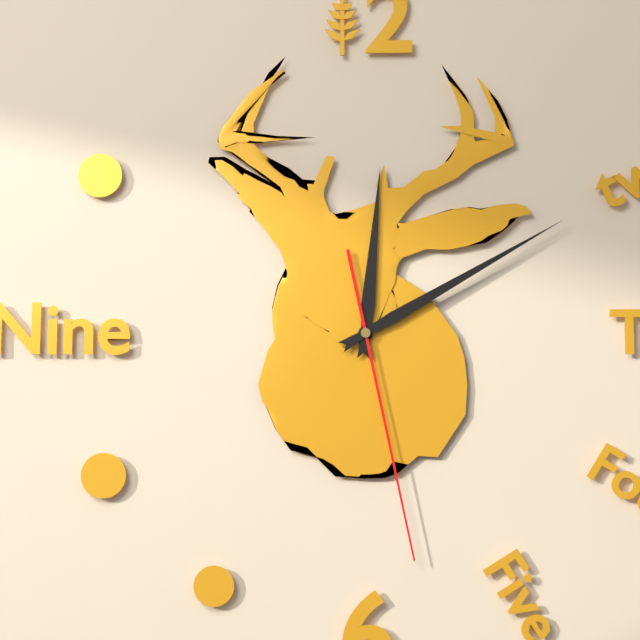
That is 12,10,28
